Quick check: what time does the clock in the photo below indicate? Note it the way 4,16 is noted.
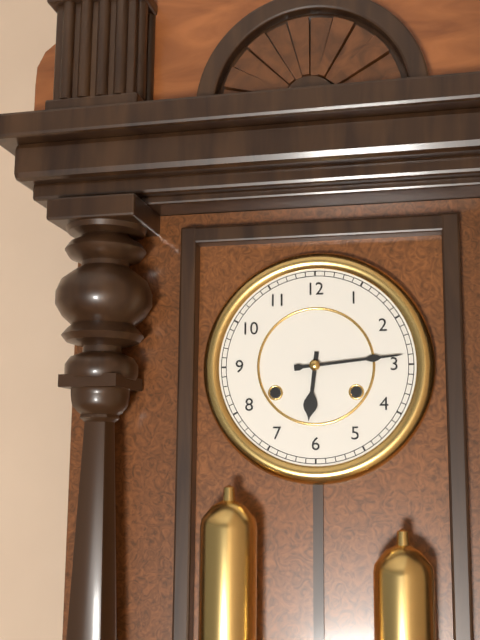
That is 6,14
